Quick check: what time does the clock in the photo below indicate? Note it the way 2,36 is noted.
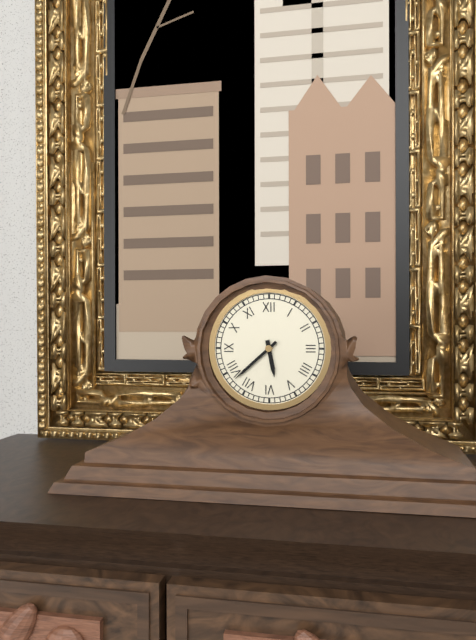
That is 5,38
